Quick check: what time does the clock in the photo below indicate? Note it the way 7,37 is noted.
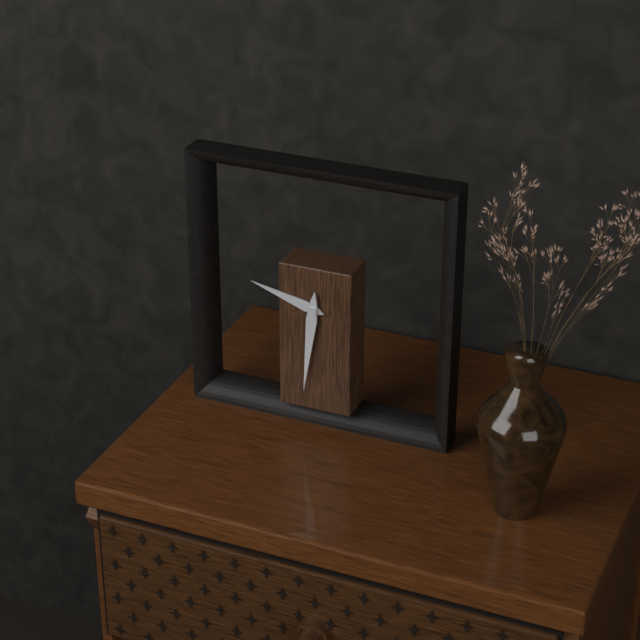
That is 9,31
